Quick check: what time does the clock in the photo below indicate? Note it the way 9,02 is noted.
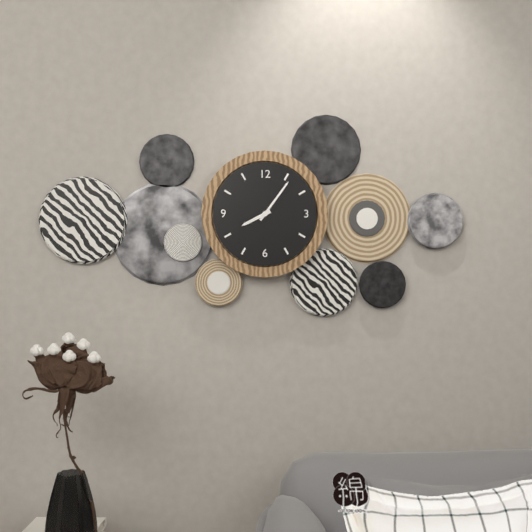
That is 8,06
